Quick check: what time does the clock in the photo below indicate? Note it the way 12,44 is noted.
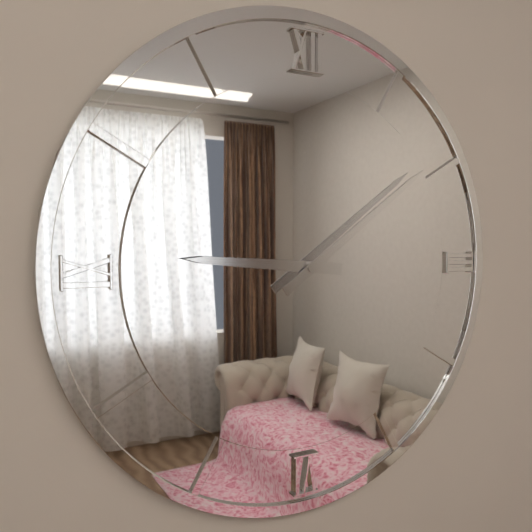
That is 9,09
